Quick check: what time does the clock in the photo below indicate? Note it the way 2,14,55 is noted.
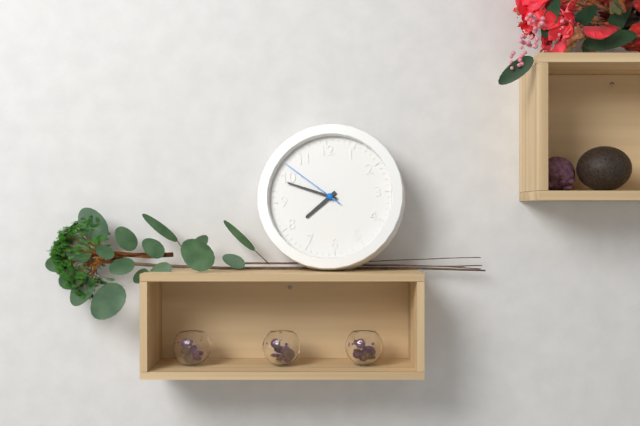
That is 7,49,52
